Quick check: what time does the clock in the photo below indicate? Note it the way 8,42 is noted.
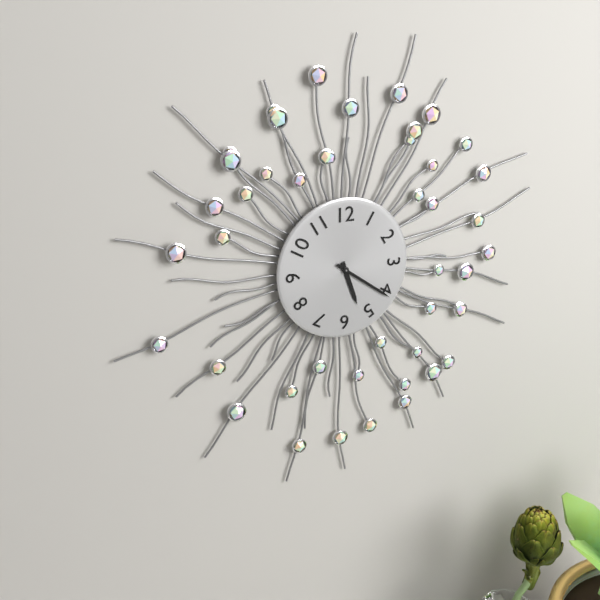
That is 5,21
